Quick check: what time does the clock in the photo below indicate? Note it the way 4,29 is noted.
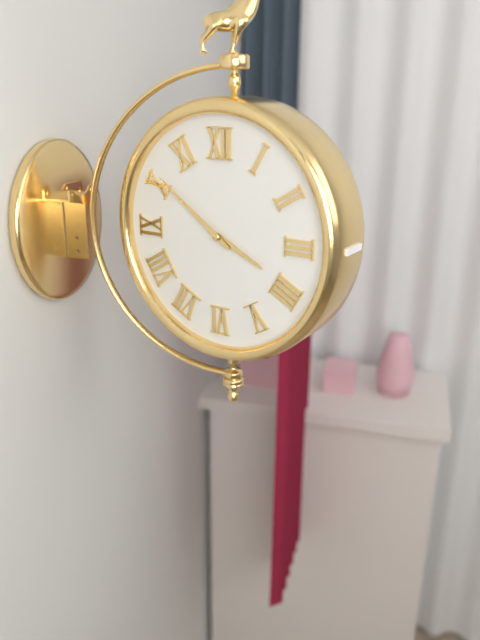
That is 3,51
